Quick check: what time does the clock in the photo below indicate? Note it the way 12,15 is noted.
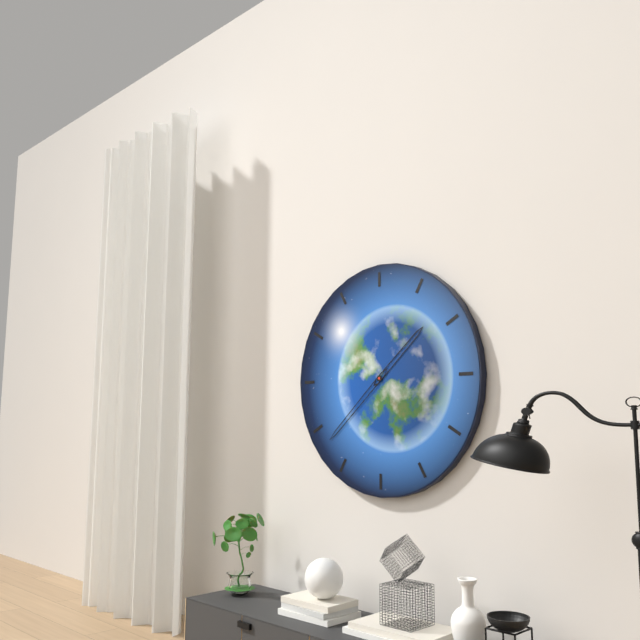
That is 1,38
